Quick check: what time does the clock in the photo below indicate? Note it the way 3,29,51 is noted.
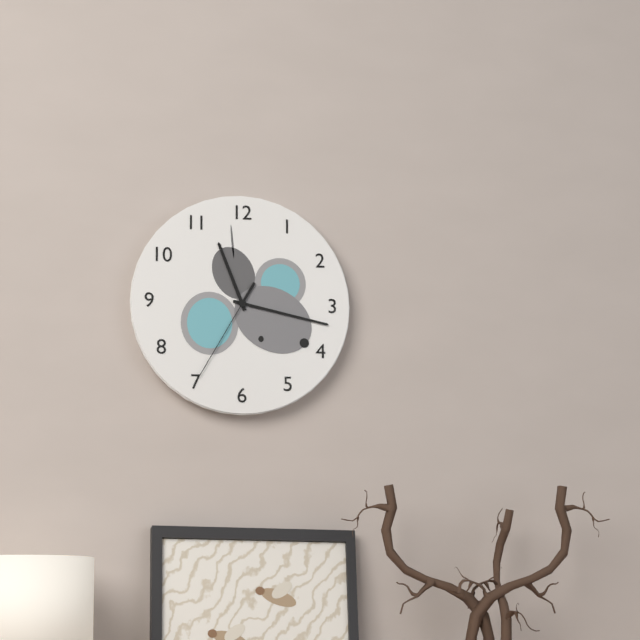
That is 11,17,35
